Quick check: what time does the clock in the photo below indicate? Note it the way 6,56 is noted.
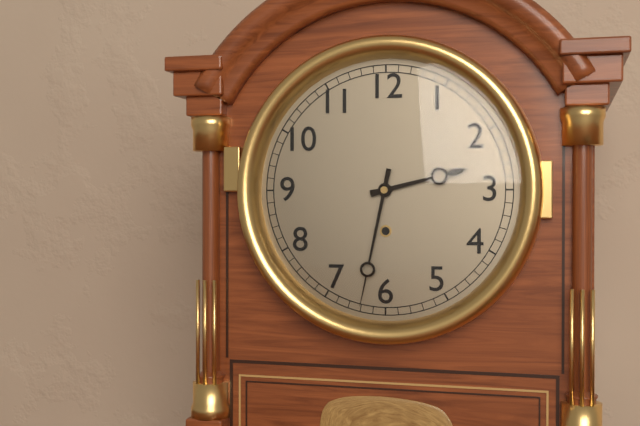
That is 2,32
